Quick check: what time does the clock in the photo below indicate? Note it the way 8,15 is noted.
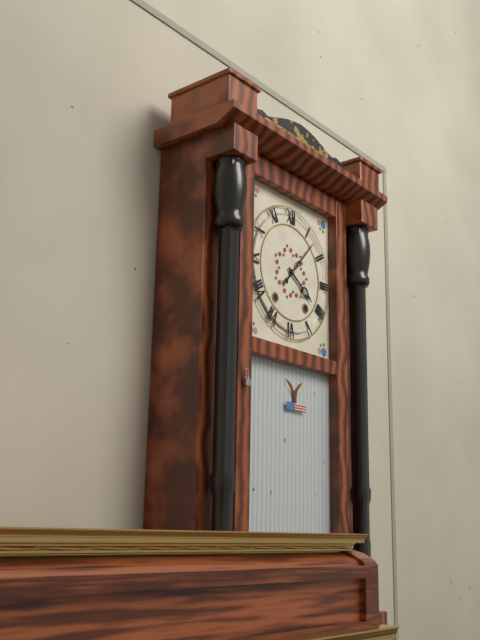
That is 4,07
